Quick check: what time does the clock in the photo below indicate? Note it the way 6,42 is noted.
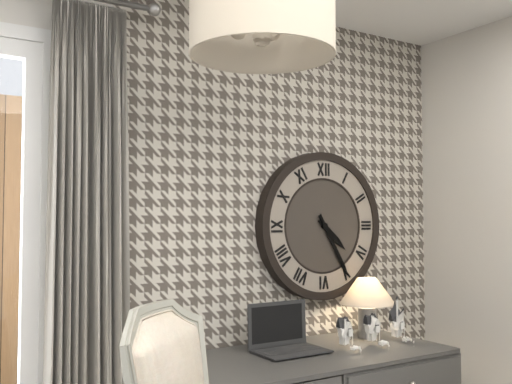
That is 4,25
